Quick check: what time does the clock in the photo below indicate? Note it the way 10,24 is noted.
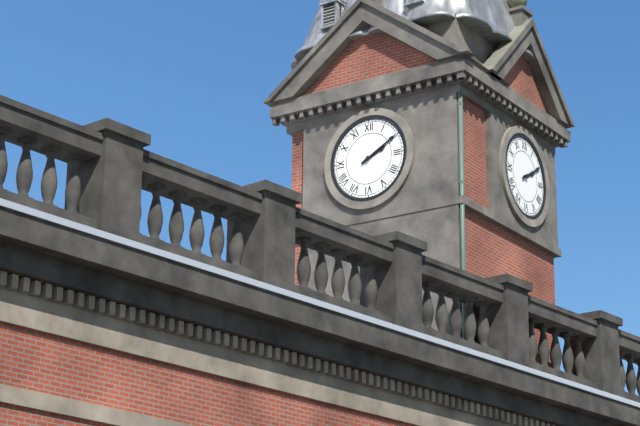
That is 2,10
